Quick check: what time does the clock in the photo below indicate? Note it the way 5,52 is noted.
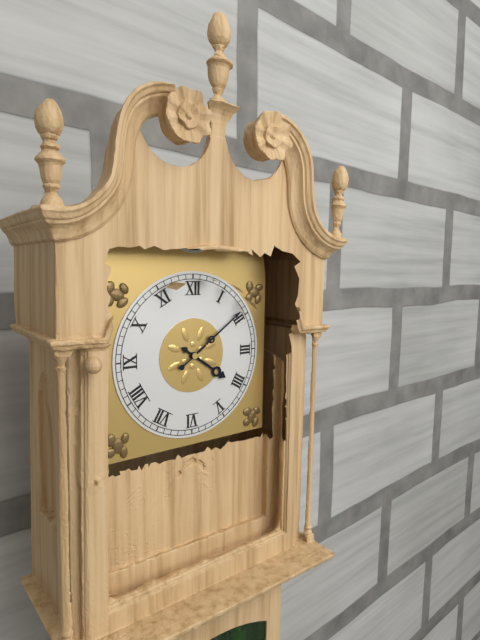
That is 4,09
